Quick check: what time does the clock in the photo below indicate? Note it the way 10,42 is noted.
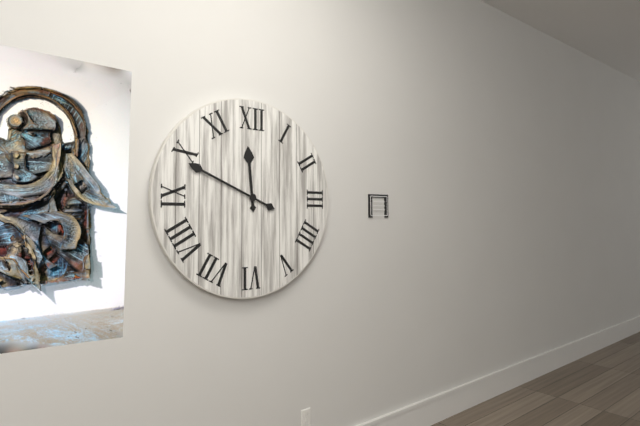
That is 11,49
